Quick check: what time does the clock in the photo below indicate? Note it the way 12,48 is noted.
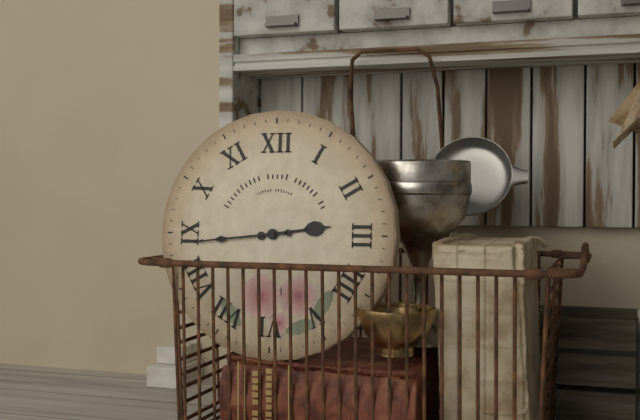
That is 2,44
